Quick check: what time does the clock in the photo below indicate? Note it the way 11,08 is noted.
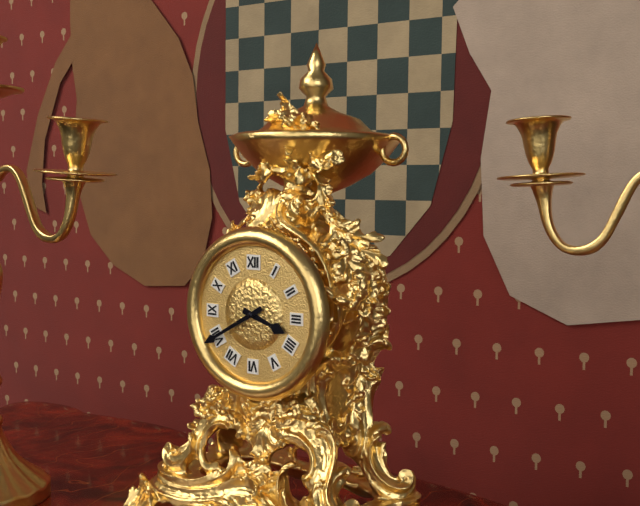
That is 3,40
